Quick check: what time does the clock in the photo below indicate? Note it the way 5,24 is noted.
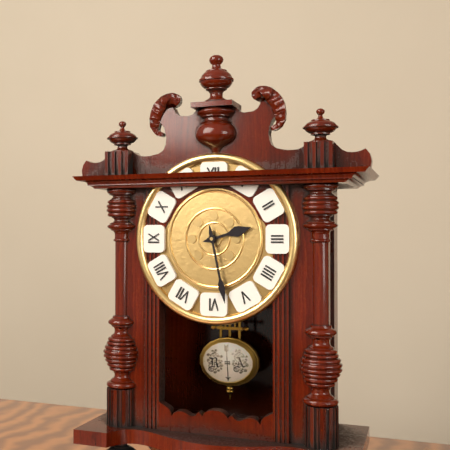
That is 2,28
